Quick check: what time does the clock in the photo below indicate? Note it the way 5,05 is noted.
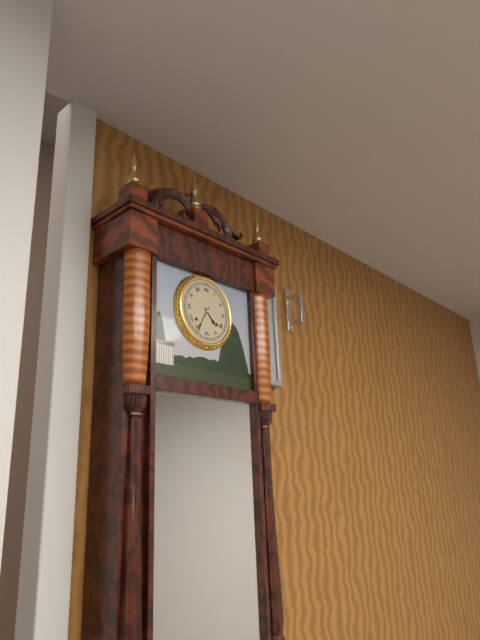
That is 4,35
